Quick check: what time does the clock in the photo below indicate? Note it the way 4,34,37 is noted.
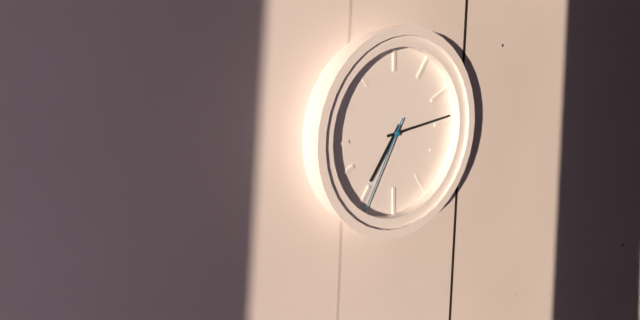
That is 7,14,35
